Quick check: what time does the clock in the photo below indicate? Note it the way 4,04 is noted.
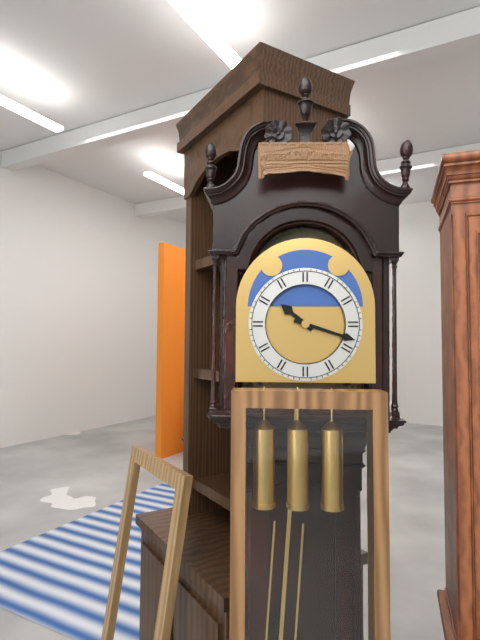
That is 10,18
